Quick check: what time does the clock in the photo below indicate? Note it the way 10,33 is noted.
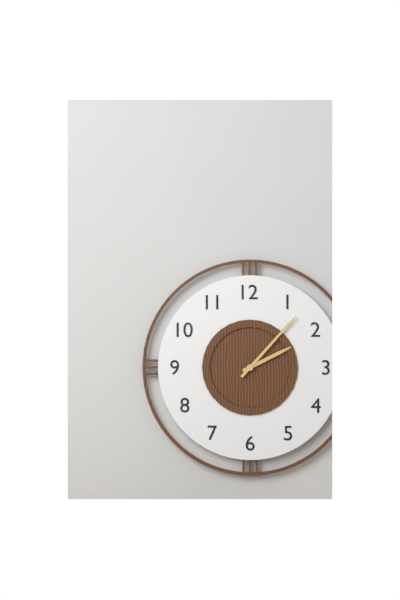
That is 2,07
